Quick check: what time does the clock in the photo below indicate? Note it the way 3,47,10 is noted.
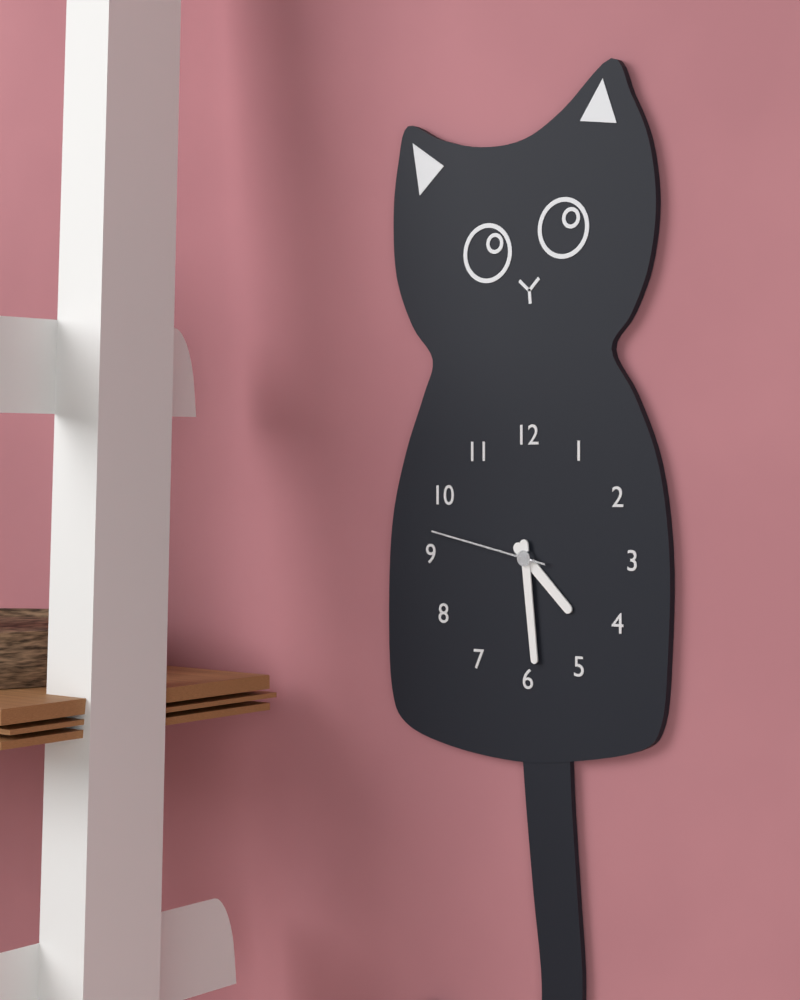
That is 4,29,47
